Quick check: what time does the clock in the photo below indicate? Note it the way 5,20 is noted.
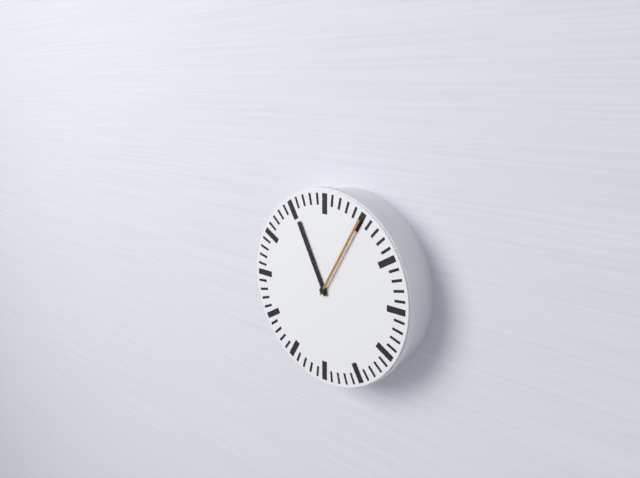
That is 11,05
